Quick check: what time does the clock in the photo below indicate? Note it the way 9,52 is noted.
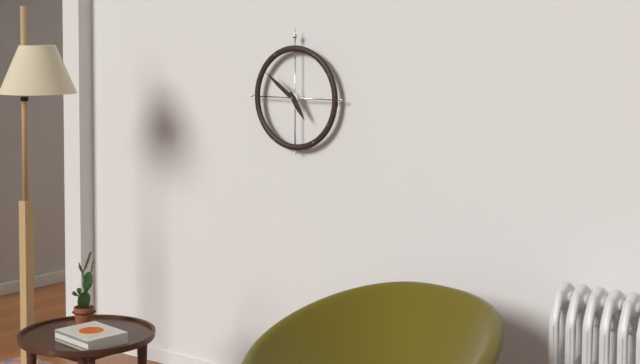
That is 4,51
